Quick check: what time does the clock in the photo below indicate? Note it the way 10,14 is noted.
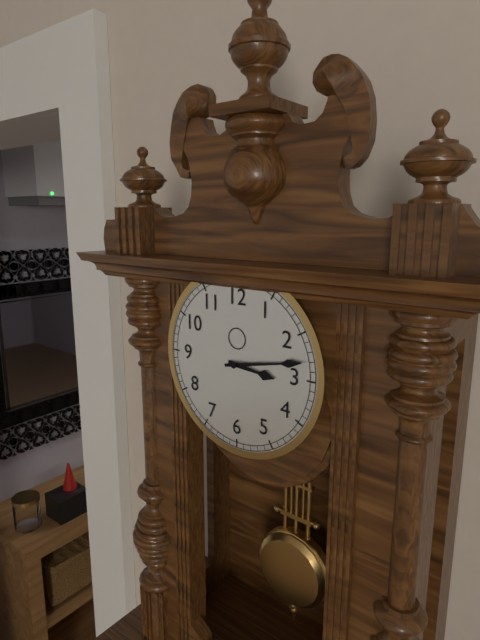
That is 3,13
